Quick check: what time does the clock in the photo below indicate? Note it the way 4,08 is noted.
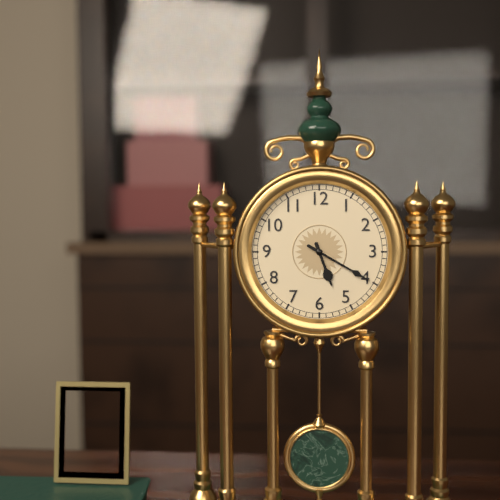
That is 5,20
